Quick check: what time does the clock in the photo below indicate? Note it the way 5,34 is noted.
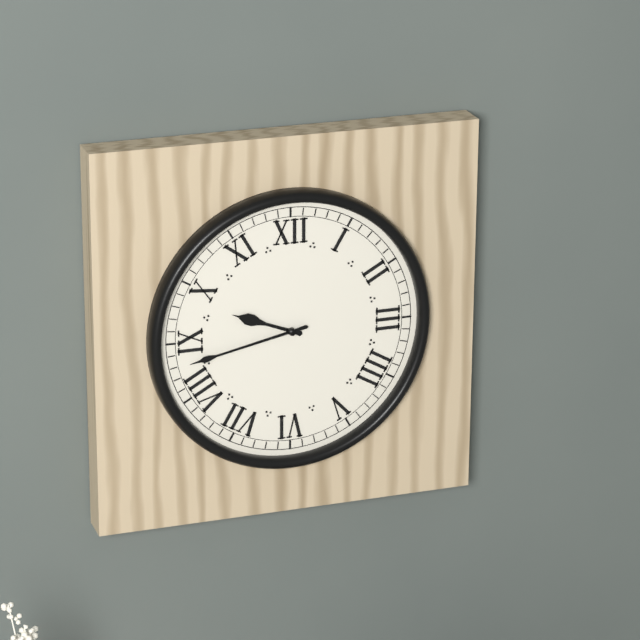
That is 9,43
